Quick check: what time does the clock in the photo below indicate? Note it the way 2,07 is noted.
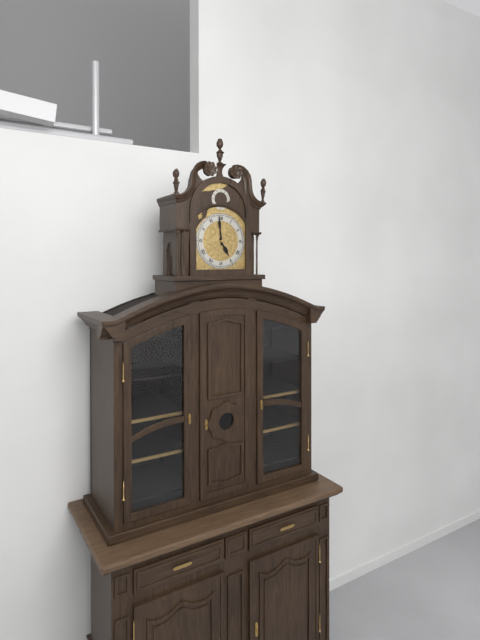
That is 4,59
